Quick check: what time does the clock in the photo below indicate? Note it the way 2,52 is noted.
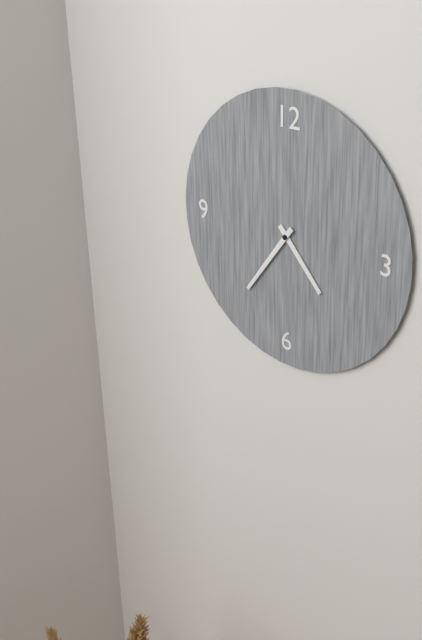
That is 4,36
